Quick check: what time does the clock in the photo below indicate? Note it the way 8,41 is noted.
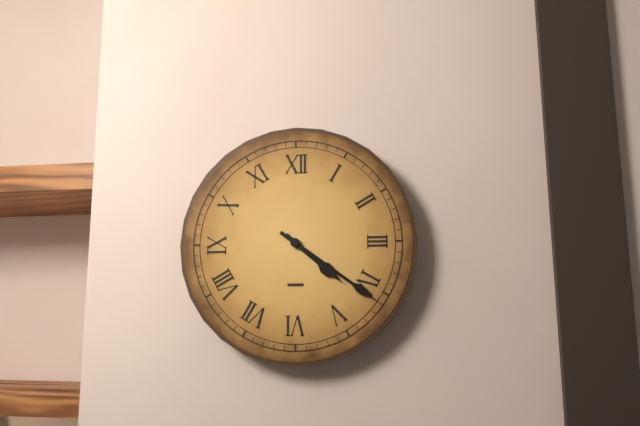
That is 4,21
